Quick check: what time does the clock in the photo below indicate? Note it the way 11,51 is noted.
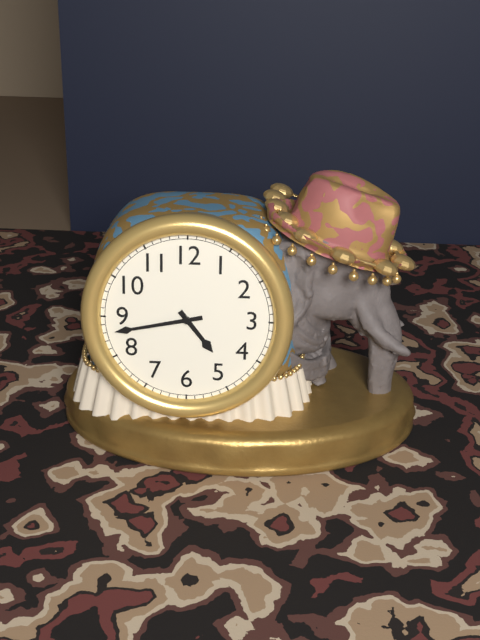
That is 4,43
